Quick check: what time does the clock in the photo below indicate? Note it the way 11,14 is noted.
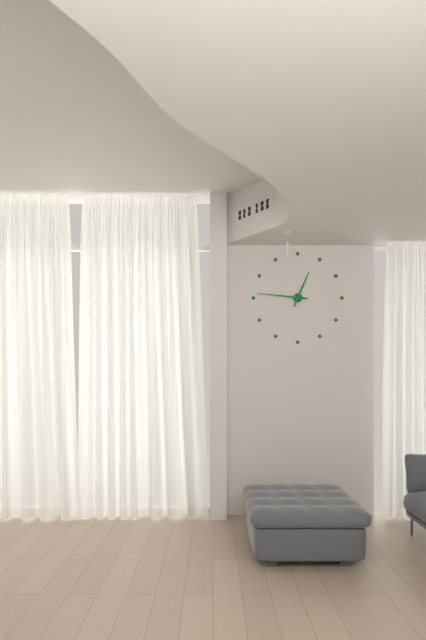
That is 12,46
